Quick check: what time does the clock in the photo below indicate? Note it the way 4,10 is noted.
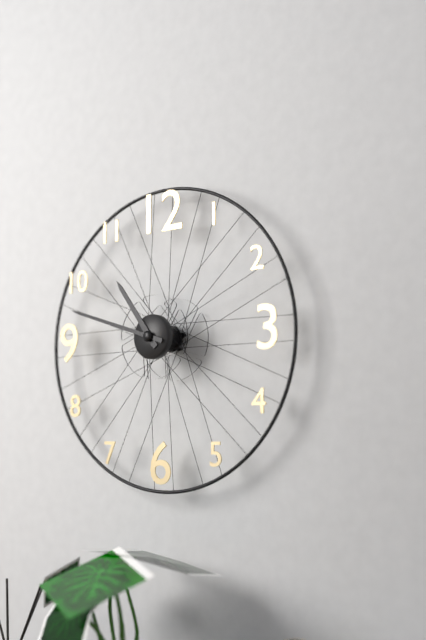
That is 10,48
